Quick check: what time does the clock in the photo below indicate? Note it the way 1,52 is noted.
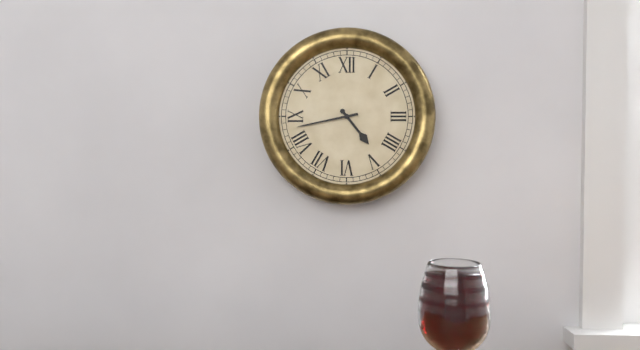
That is 4,43
